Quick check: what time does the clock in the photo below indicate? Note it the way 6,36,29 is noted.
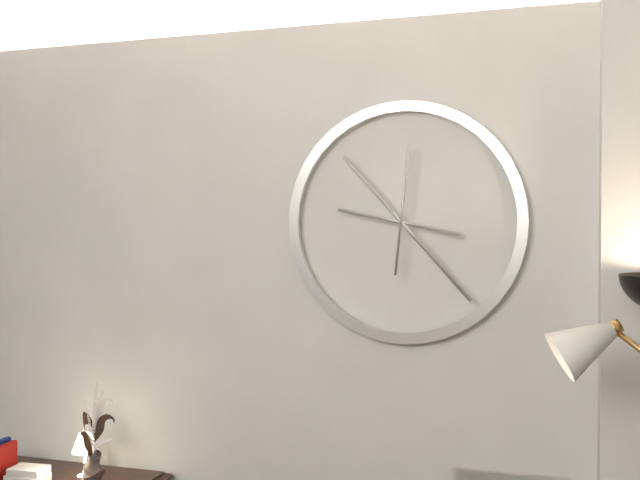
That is 9,23,01
